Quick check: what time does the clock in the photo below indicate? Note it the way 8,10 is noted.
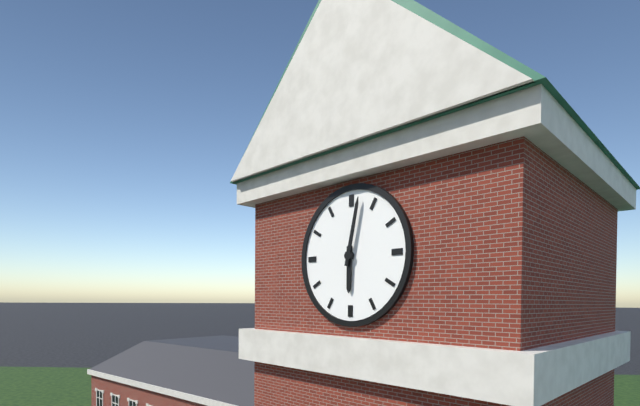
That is 6,02
